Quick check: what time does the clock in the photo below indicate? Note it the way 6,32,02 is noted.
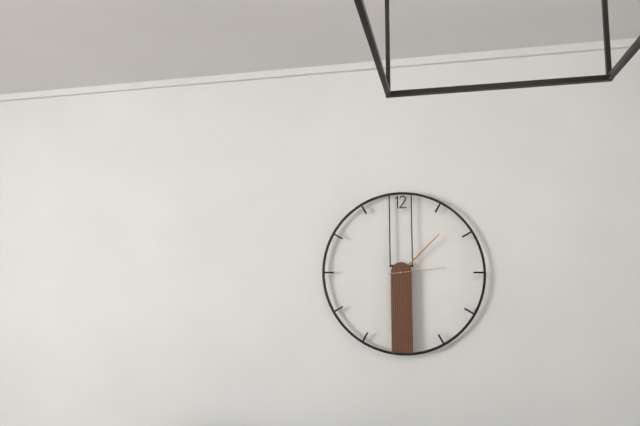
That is 1,30,14
